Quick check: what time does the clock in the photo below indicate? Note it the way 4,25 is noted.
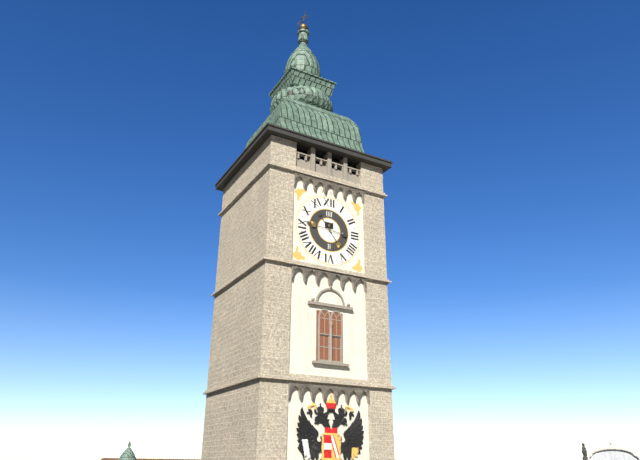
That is 4,46
